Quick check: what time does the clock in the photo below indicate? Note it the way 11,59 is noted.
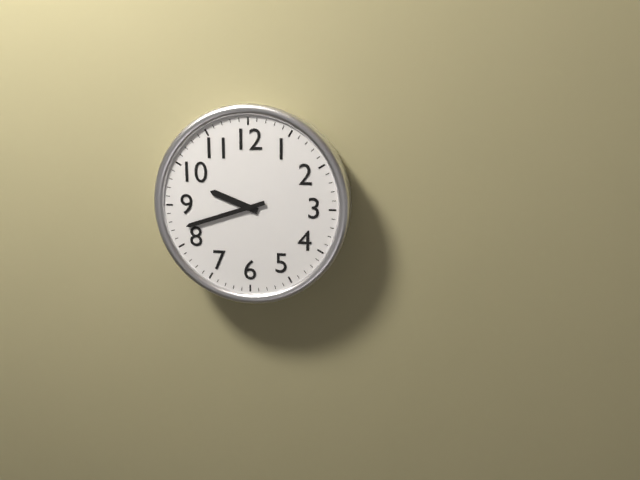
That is 9,42
